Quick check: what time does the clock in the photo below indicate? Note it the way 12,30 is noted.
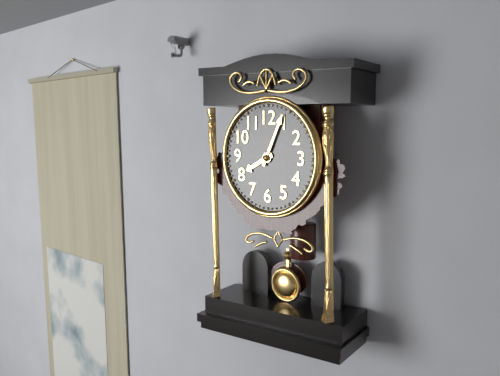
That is 8,04
